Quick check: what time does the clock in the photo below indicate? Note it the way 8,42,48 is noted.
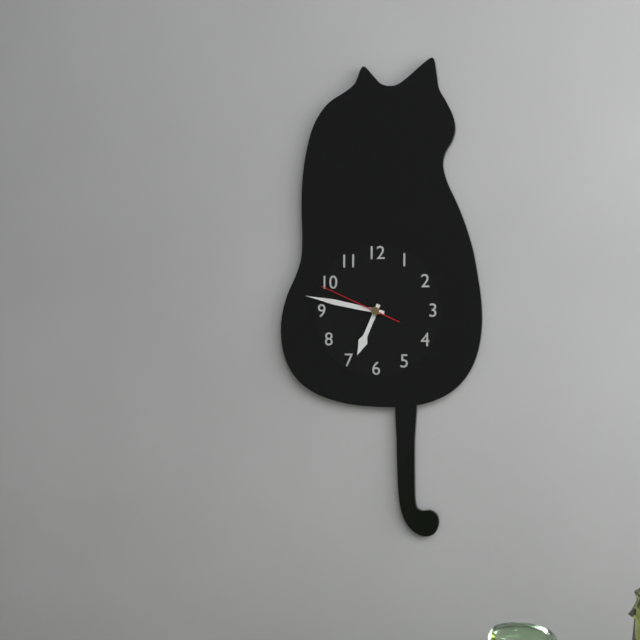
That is 6,47,49
